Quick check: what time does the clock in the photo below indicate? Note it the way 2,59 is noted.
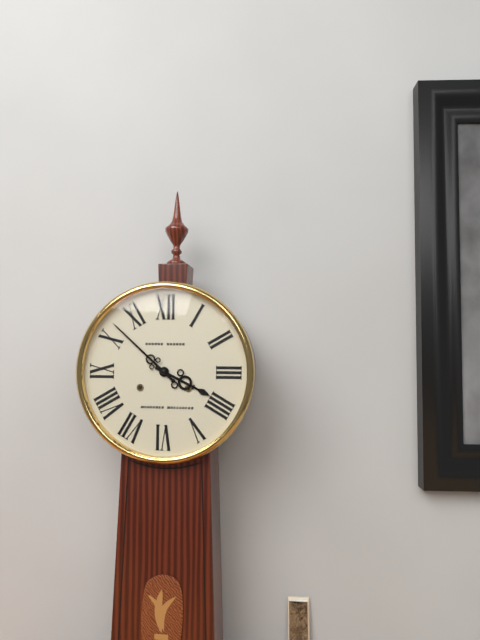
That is 3,52
